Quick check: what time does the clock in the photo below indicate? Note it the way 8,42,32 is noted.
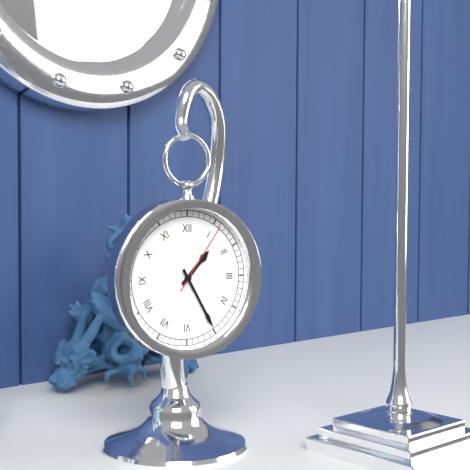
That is 1,25,06
